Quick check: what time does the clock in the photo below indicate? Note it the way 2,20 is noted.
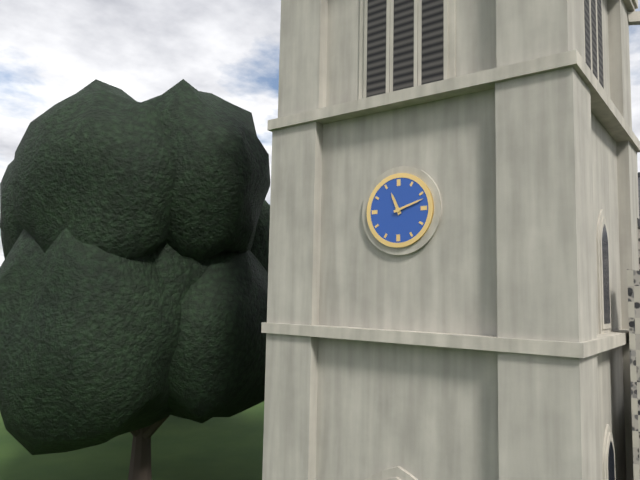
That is 11,12
